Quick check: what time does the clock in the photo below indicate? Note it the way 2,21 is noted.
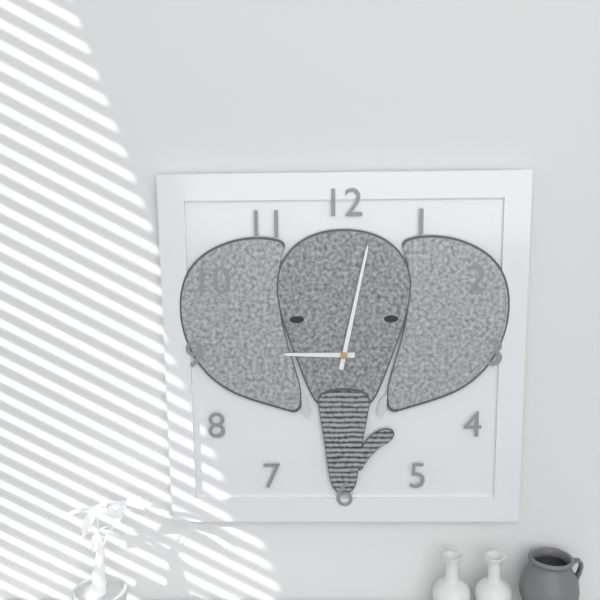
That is 9,02
